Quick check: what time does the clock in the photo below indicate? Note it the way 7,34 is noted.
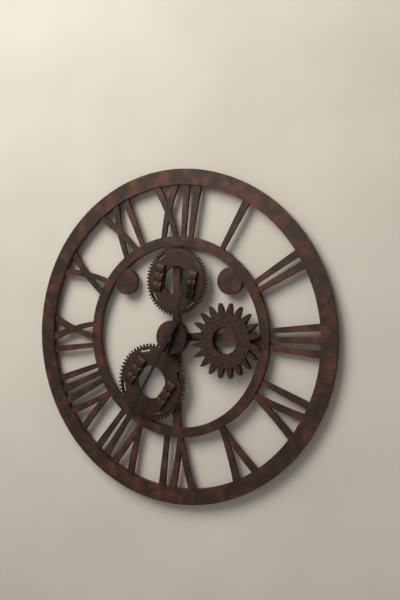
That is 12,35
